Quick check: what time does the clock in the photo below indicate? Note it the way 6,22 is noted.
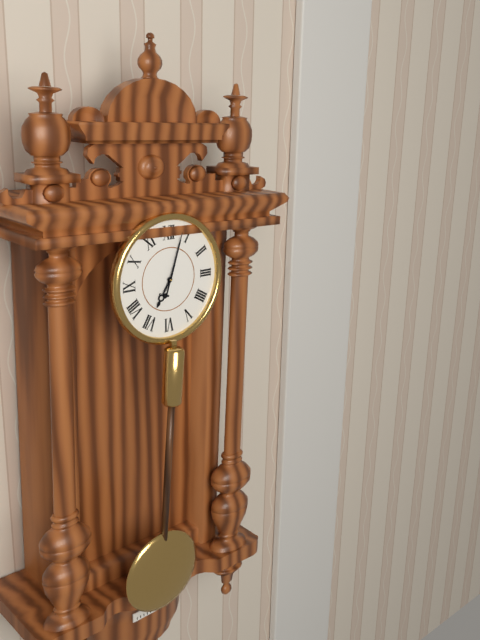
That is 7,03
